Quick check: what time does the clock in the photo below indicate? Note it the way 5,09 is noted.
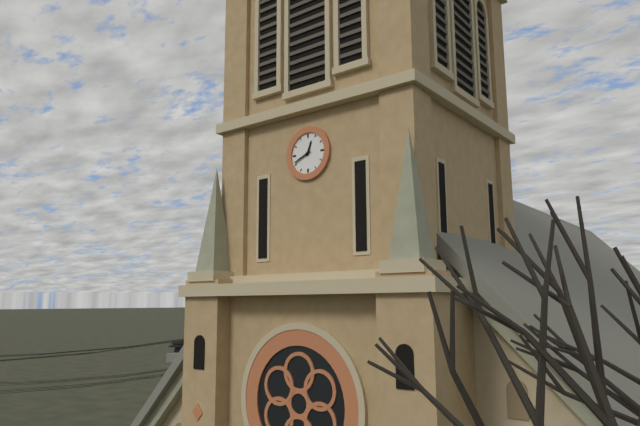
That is 12,41
